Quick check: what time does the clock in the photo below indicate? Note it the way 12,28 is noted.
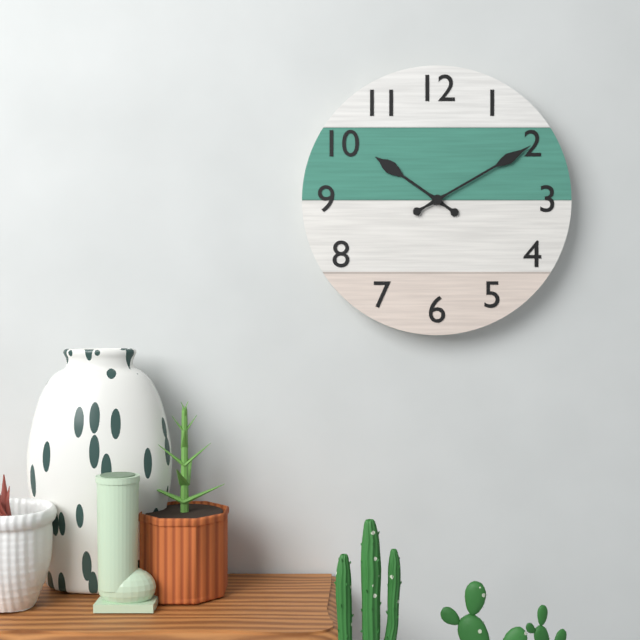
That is 10,10
